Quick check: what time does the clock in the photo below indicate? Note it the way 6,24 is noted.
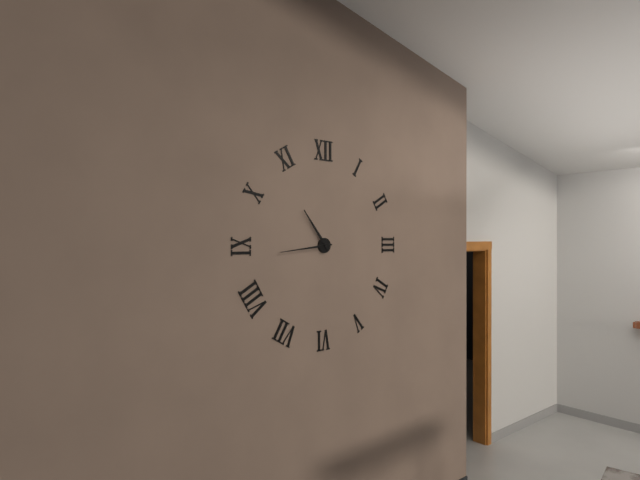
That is 10,44
